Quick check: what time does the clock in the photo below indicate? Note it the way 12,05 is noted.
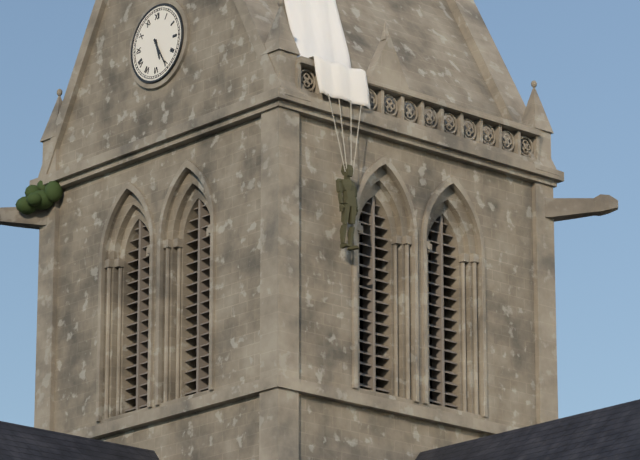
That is 5,25
